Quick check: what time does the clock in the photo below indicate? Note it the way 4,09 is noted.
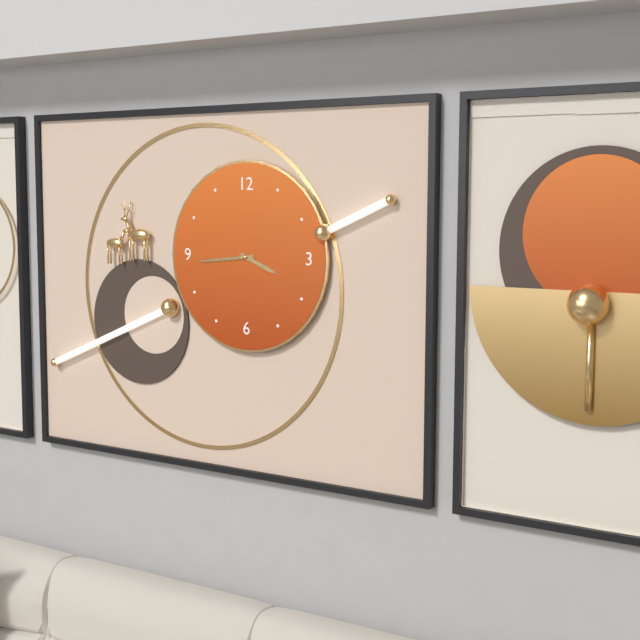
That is 3,44
